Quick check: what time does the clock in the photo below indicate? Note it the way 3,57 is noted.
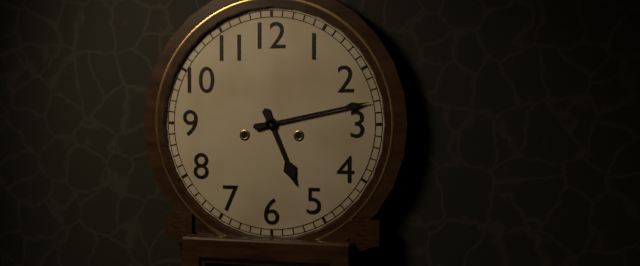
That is 5,13
